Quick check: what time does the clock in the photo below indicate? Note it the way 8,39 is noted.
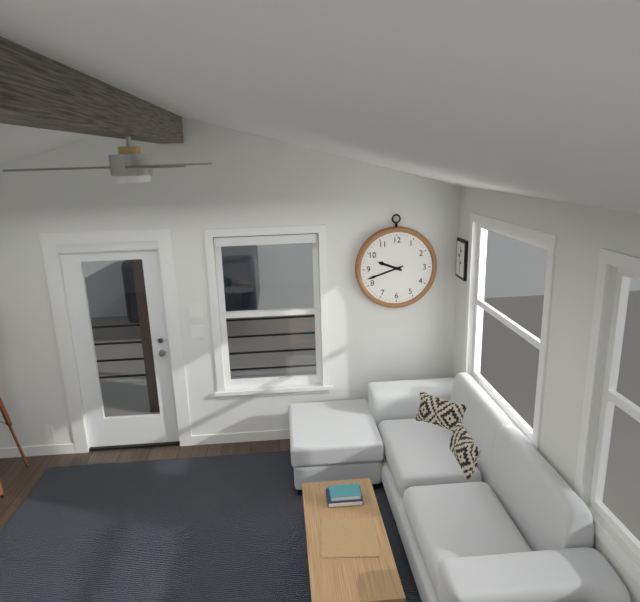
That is 9,42
